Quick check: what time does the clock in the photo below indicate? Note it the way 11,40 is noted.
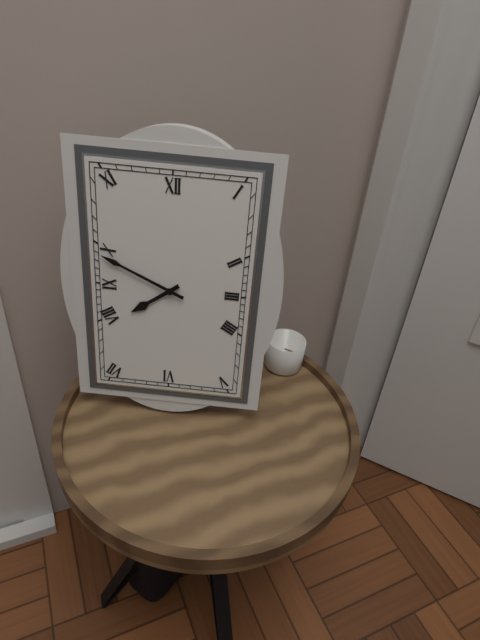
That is 7,49
